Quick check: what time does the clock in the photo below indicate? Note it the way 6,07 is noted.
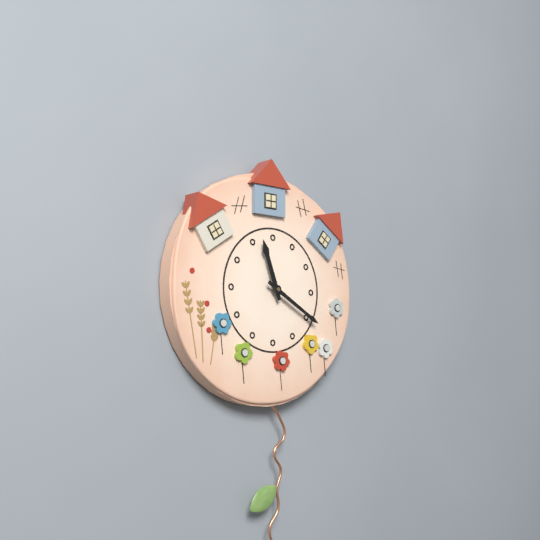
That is 11,20
